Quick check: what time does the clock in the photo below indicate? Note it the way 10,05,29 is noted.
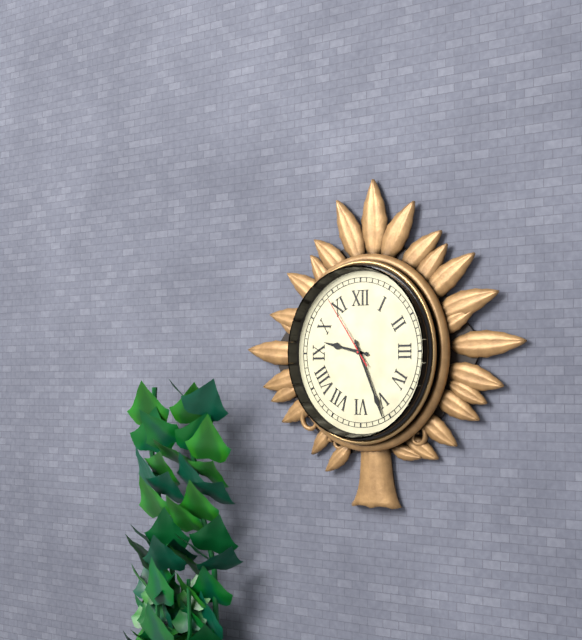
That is 9,26,54
